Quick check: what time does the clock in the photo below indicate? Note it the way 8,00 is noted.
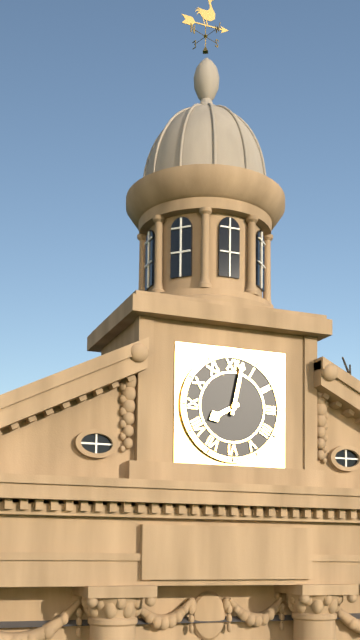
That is 8,02
